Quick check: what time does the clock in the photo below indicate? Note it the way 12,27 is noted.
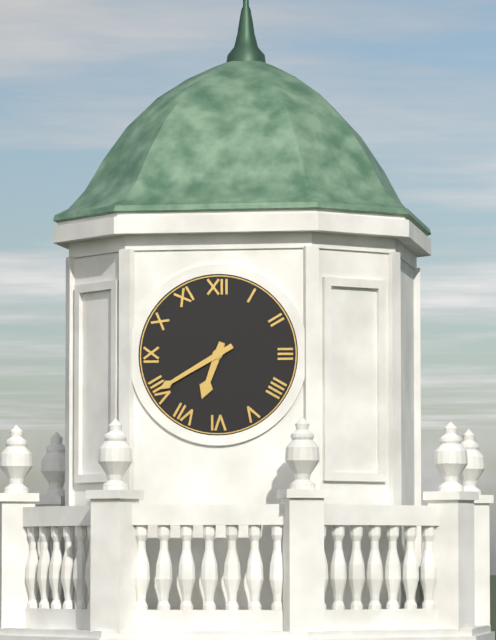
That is 6,40
